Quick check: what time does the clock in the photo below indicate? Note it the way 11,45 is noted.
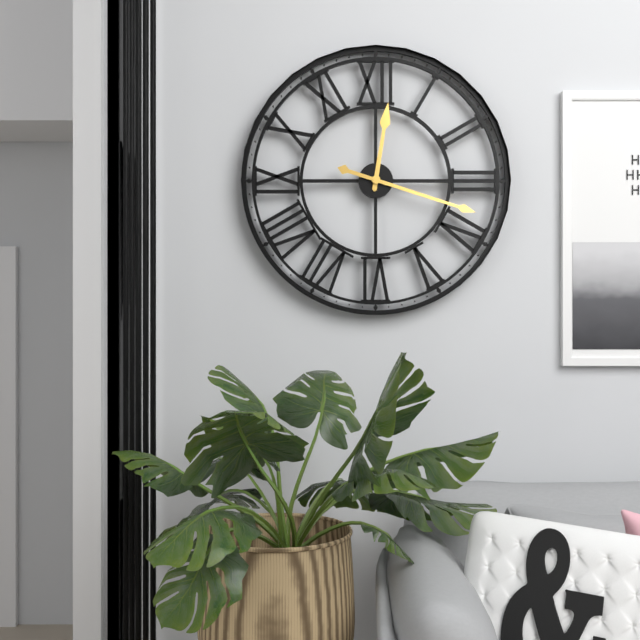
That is 12,18
